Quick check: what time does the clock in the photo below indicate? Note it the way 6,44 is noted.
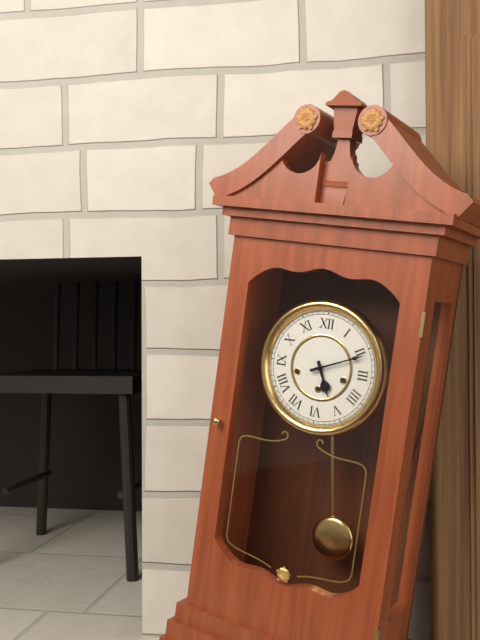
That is 5,11
